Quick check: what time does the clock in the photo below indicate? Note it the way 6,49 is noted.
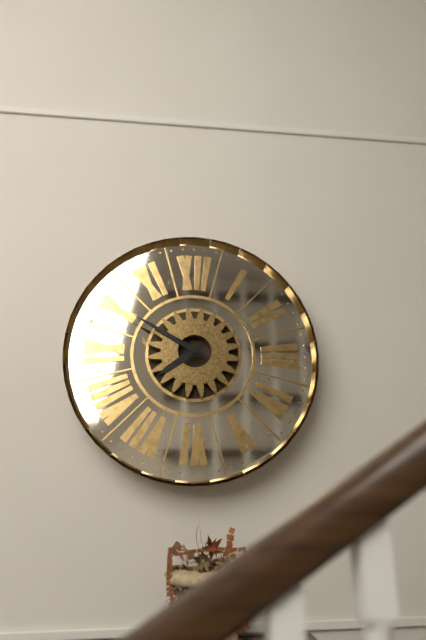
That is 7,50
